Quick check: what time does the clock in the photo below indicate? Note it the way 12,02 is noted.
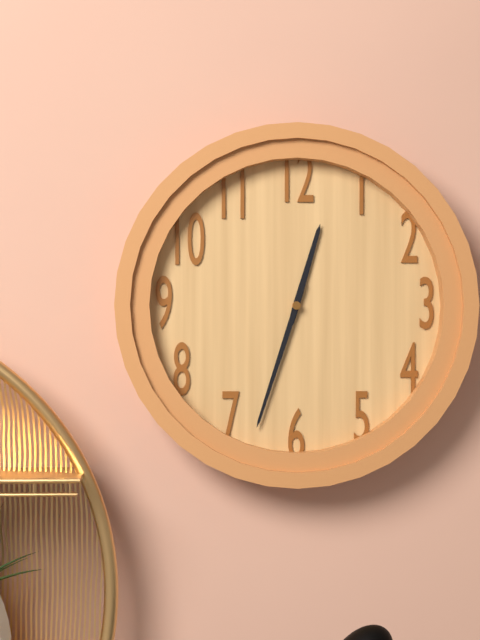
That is 12,33
